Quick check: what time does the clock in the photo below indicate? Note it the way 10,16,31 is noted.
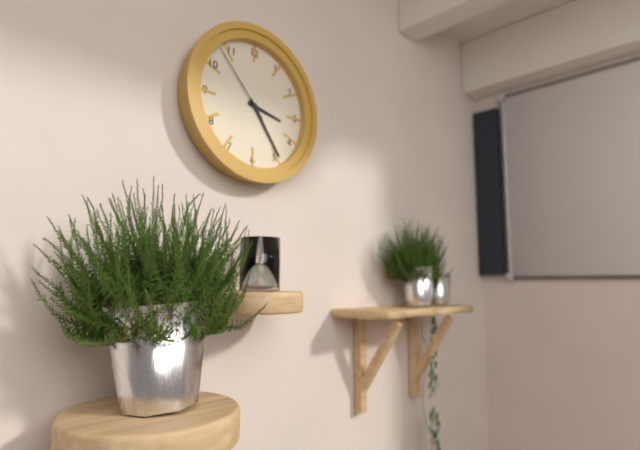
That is 3,24,53
